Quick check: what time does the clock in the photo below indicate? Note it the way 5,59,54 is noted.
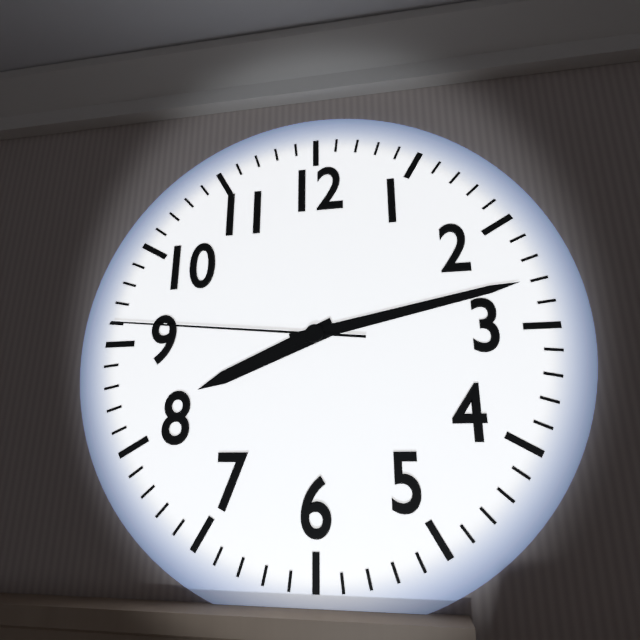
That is 8,13,46
